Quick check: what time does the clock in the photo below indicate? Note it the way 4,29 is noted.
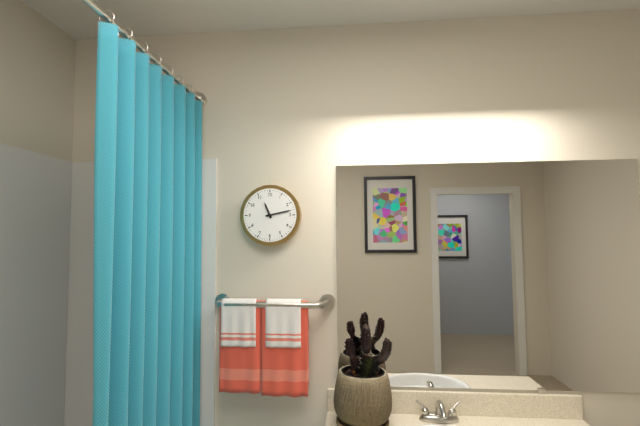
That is 11,13
